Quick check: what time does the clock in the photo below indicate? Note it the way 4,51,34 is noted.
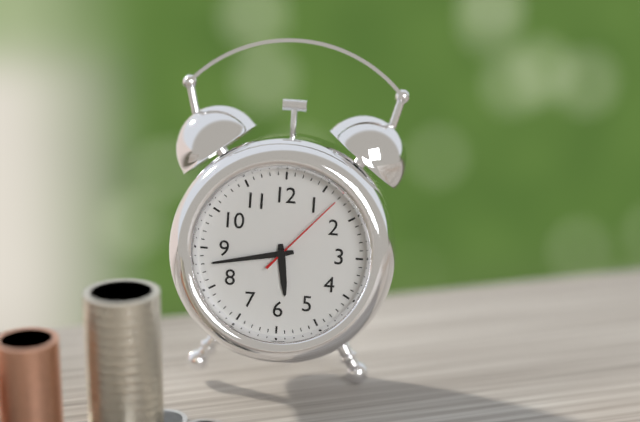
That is 5,43,07
